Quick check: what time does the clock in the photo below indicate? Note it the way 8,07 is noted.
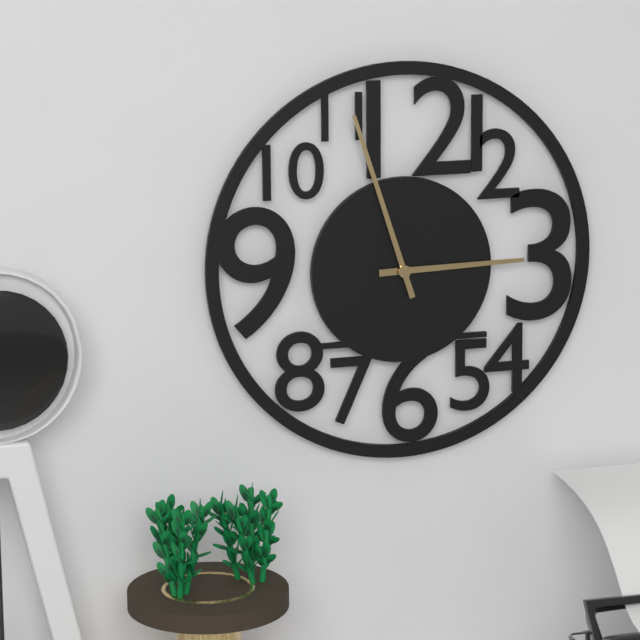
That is 2,57
